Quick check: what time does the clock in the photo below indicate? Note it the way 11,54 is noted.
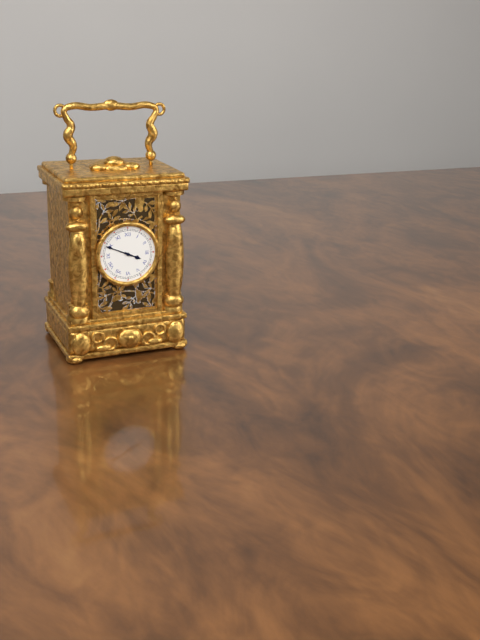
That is 3,49
